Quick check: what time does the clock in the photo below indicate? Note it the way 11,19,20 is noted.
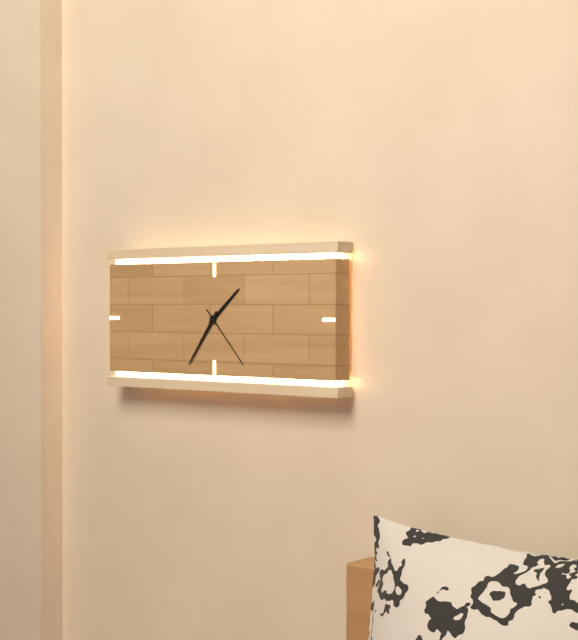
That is 1,36,23
